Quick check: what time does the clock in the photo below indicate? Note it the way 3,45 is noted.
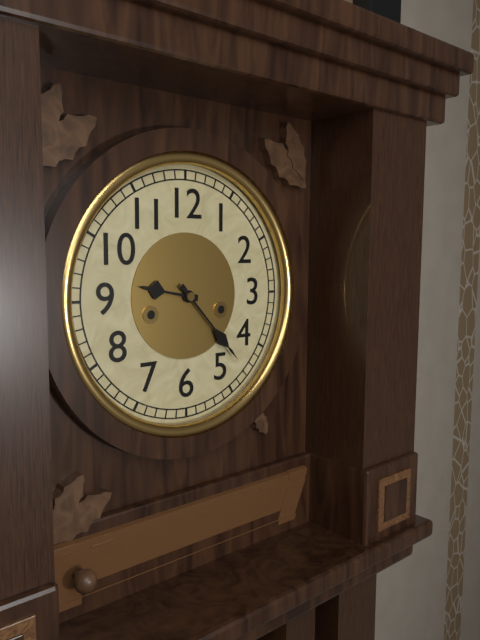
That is 9,23
